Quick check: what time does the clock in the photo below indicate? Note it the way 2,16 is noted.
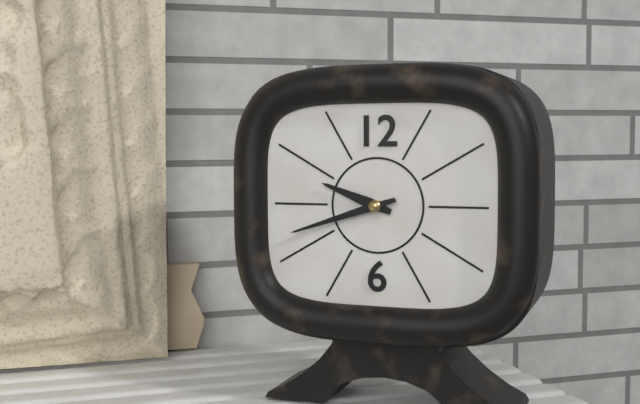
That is 9,42
